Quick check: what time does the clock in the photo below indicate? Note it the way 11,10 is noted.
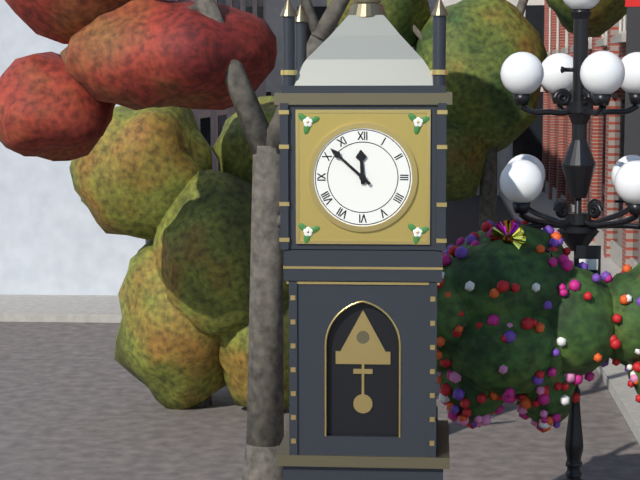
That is 11,52
